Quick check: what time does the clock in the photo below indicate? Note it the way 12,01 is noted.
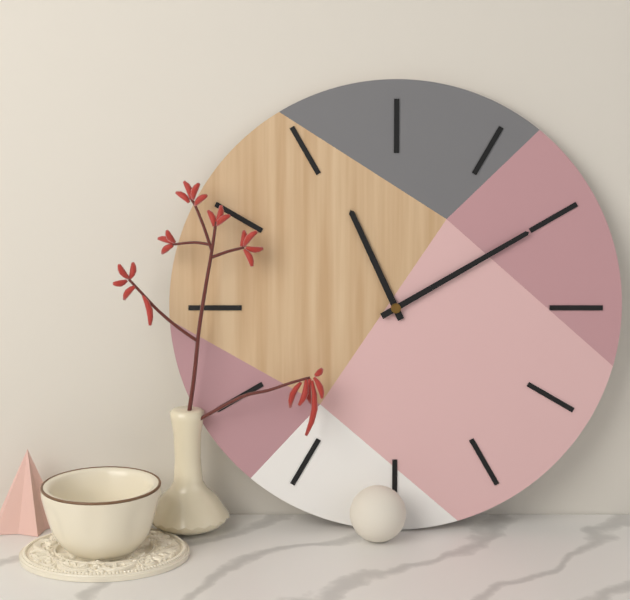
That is 11,10
